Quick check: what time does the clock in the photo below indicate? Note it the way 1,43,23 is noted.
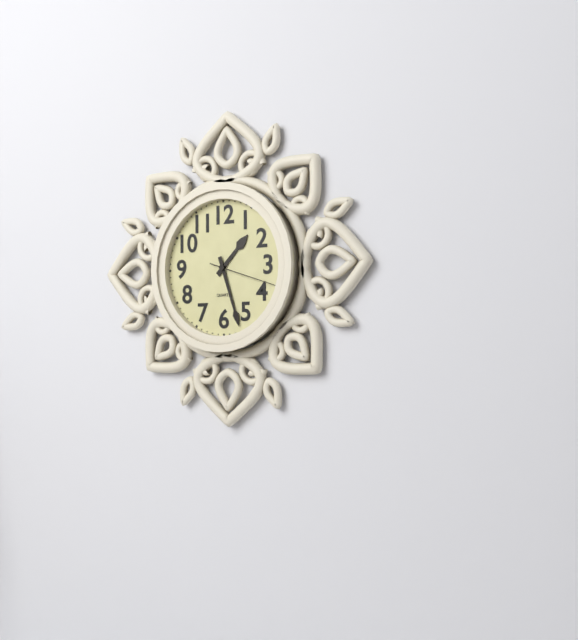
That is 1,27,18
